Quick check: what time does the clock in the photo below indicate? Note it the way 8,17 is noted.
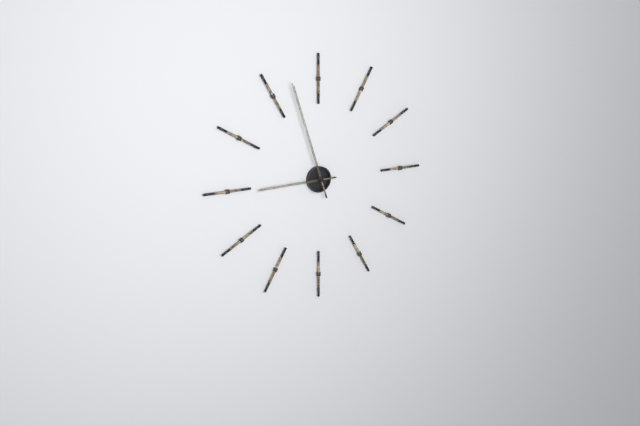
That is 8,57
